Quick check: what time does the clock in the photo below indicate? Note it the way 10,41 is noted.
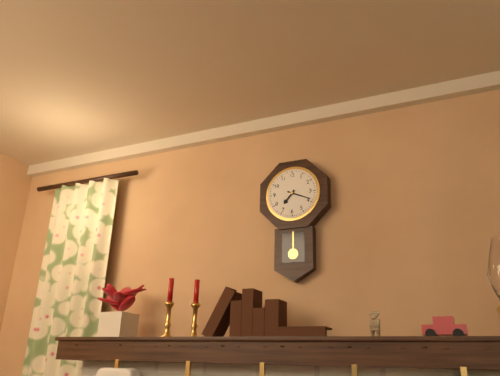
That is 7,19
